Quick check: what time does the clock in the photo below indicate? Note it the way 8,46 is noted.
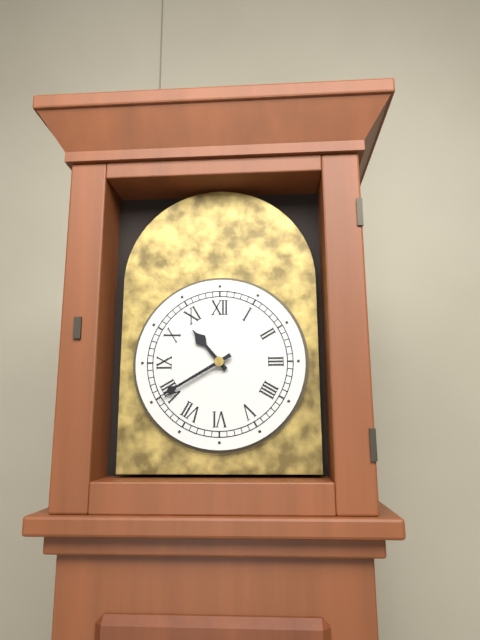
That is 10,40
